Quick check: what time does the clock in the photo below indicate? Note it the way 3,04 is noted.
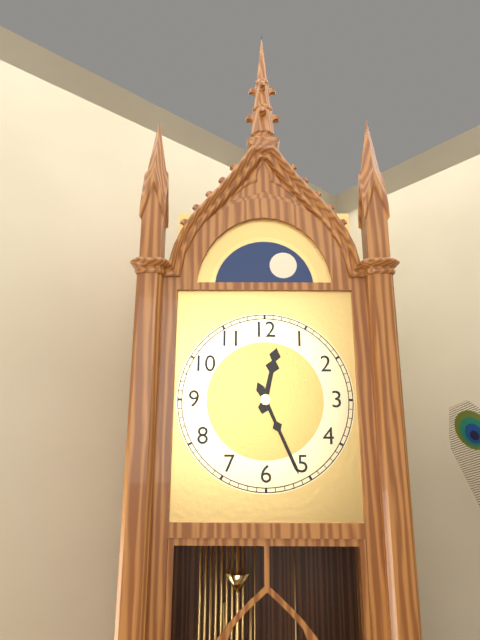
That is 12,26
